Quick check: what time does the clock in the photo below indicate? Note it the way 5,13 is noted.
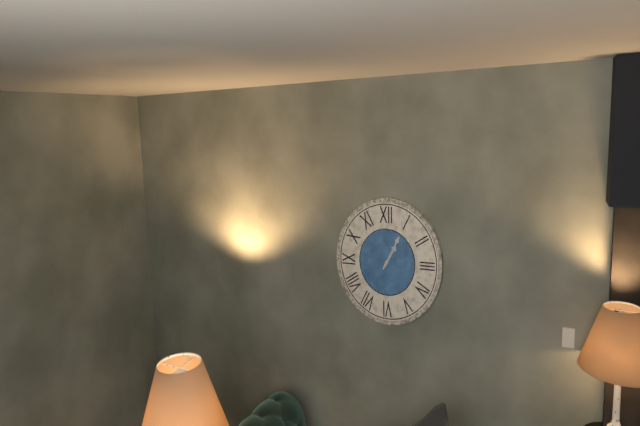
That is 1,05
